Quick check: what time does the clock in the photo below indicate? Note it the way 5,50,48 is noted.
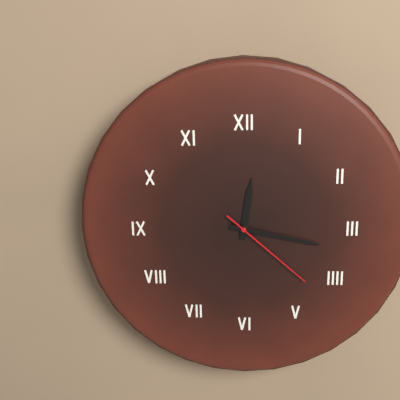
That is 12,17,22
